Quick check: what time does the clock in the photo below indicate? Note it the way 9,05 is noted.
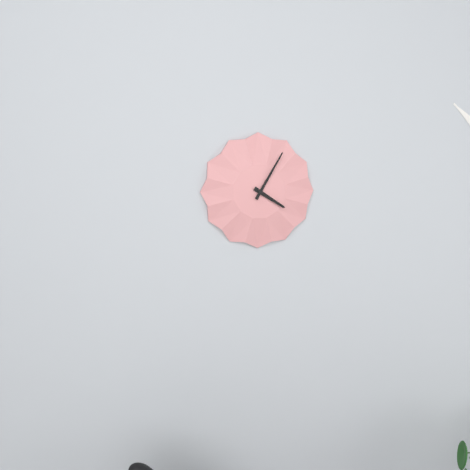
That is 4,05
